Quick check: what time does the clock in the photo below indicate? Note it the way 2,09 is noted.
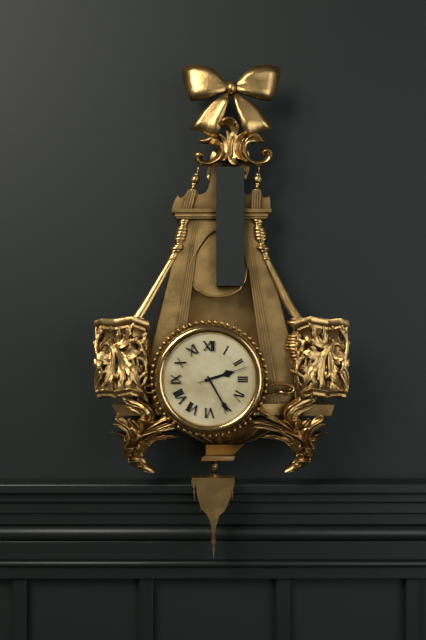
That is 2,25
